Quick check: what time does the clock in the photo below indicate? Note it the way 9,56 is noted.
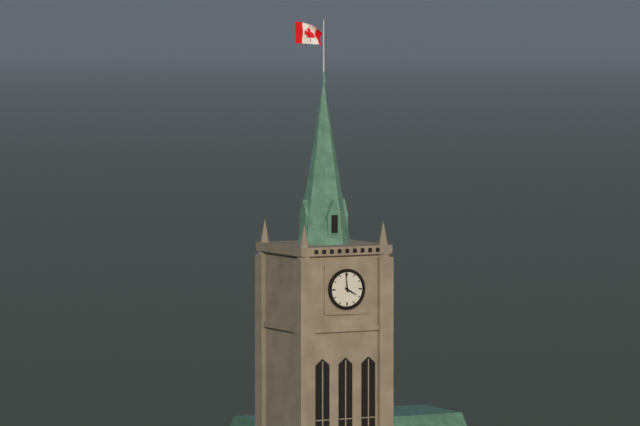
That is 3,59
